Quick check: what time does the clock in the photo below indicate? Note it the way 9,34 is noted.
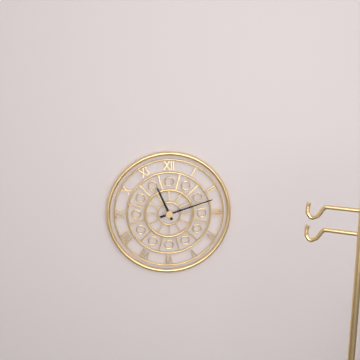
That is 11,12
